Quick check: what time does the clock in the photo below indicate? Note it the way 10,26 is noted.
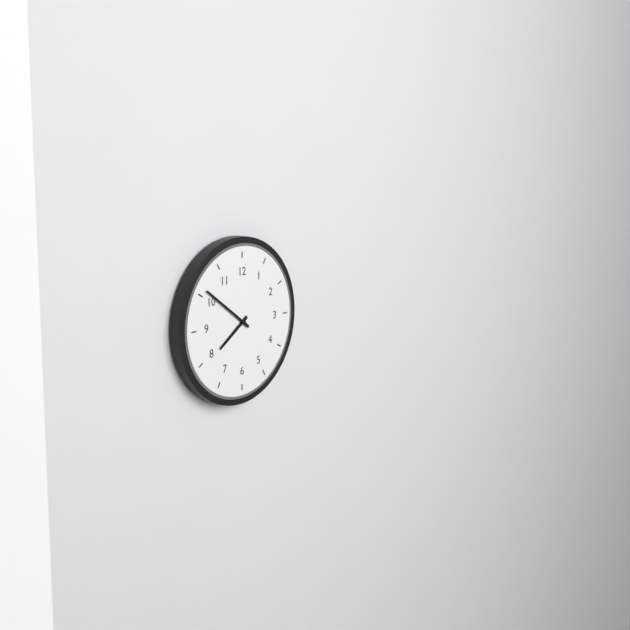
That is 7,51
